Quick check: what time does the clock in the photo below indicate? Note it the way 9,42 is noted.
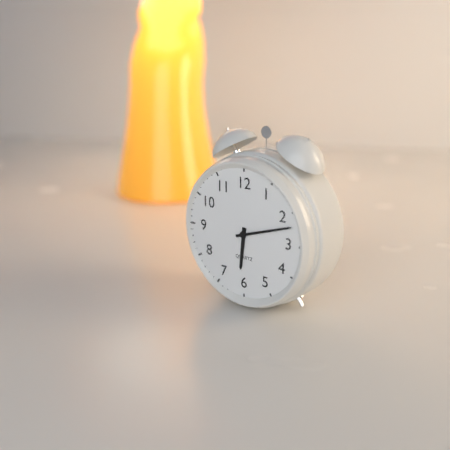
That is 6,12
